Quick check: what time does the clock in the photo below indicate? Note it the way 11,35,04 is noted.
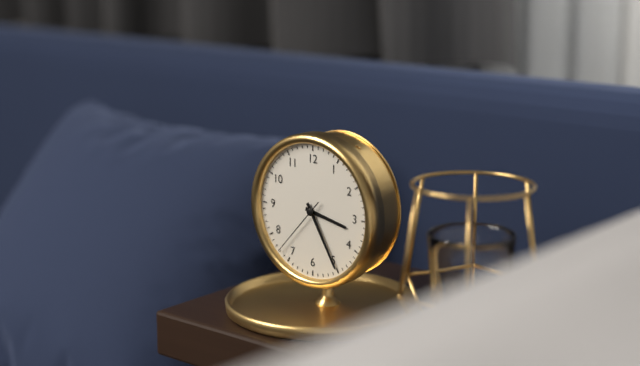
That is 3,25,37
